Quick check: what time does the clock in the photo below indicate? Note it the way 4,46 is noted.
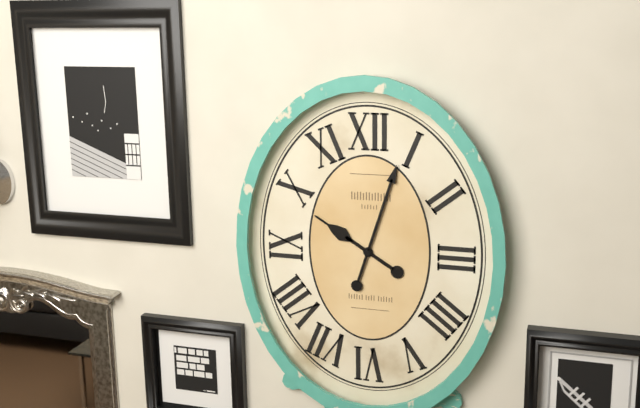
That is 10,03
